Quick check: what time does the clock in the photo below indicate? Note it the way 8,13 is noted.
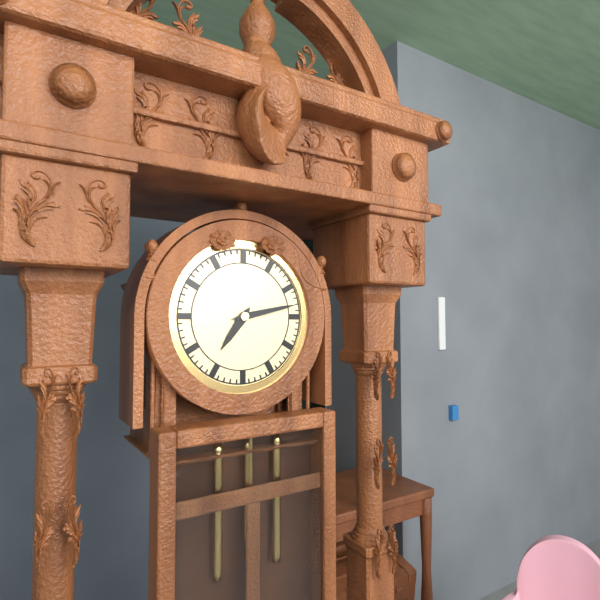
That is 7,13
